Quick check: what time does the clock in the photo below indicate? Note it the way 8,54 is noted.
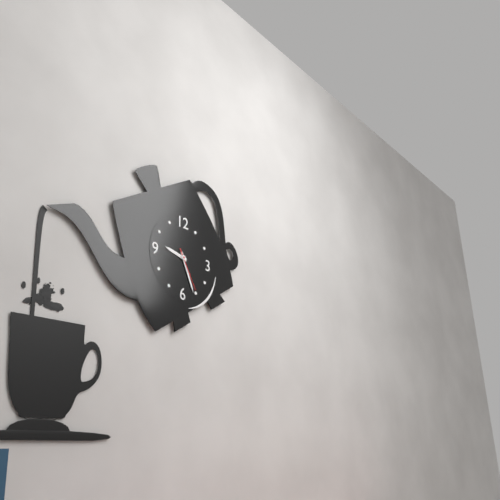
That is 9,26
